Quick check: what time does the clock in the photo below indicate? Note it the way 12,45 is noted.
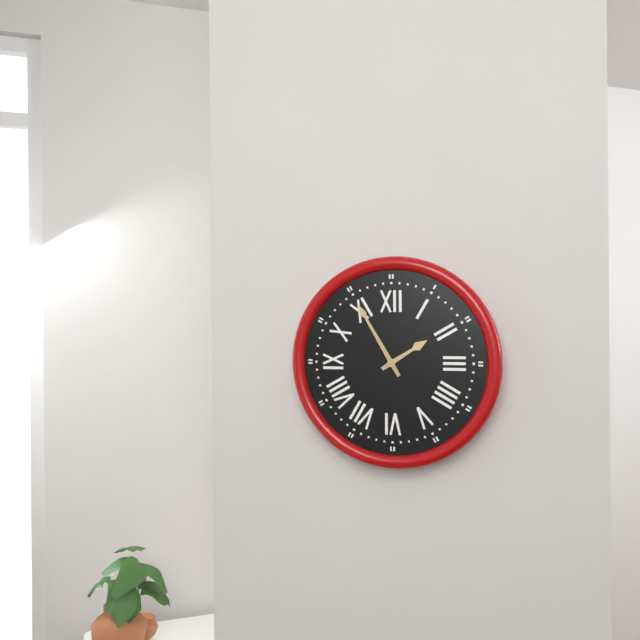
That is 1,55
